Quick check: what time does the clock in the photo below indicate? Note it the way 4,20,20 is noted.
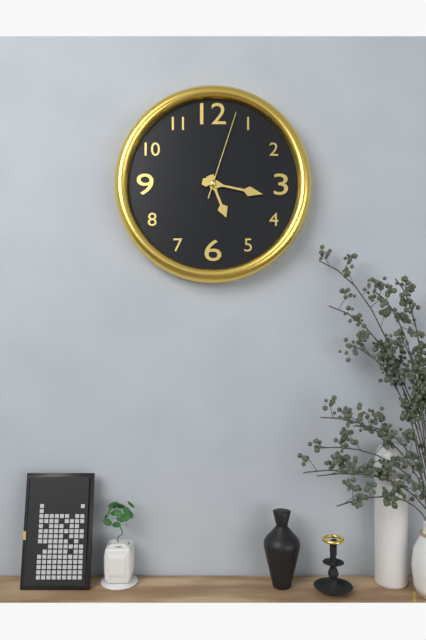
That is 5,17,03
